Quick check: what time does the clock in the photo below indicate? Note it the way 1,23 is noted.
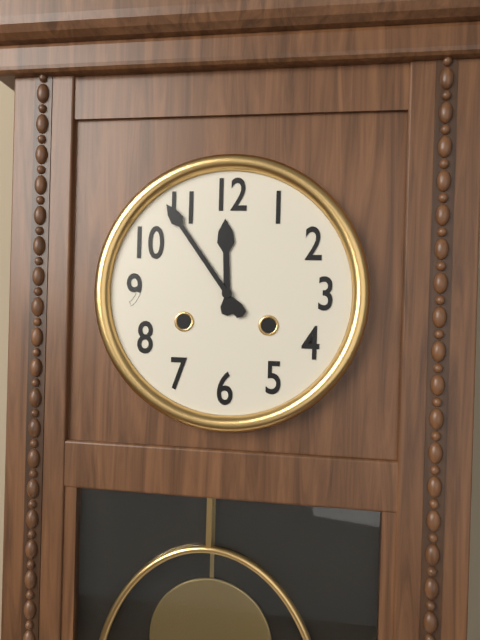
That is 11,54
